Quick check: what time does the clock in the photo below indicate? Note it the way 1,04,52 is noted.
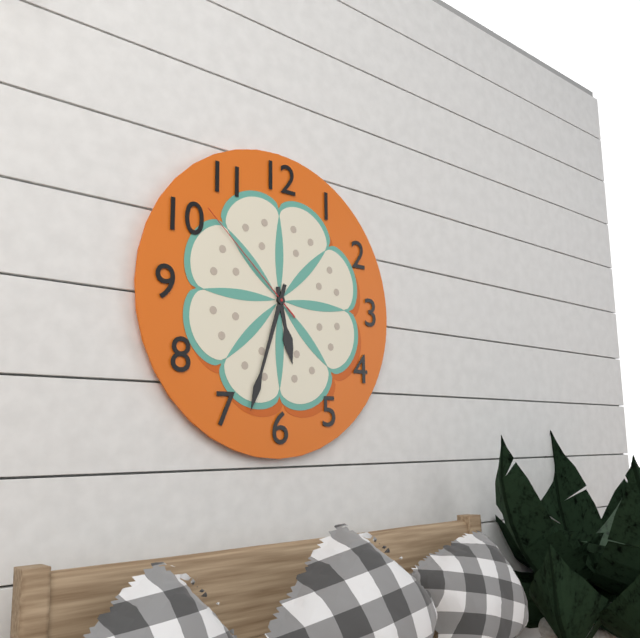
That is 5,33,52
